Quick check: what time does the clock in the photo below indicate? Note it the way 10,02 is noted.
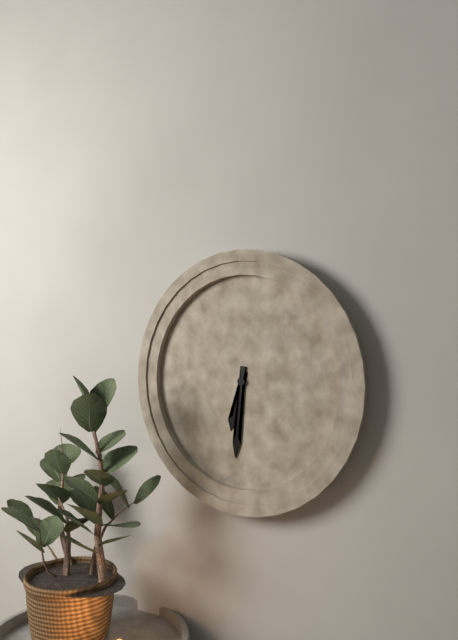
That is 6,31
